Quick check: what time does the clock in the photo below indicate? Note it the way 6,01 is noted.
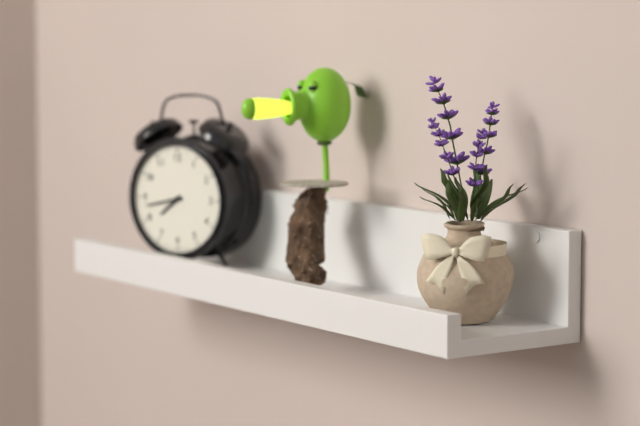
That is 7,43
